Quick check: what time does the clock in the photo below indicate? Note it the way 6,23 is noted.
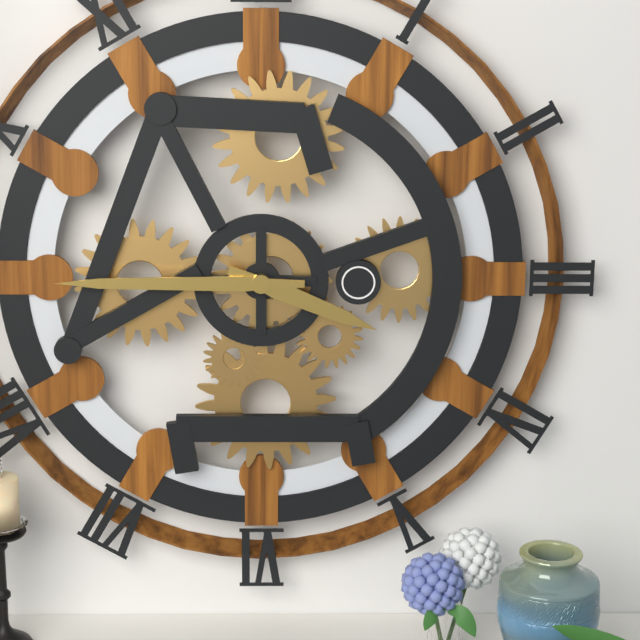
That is 3,45
